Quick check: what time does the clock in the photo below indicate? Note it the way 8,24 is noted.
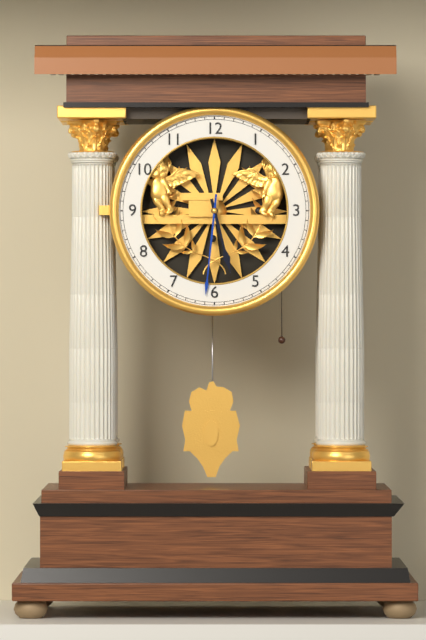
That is 5,31
